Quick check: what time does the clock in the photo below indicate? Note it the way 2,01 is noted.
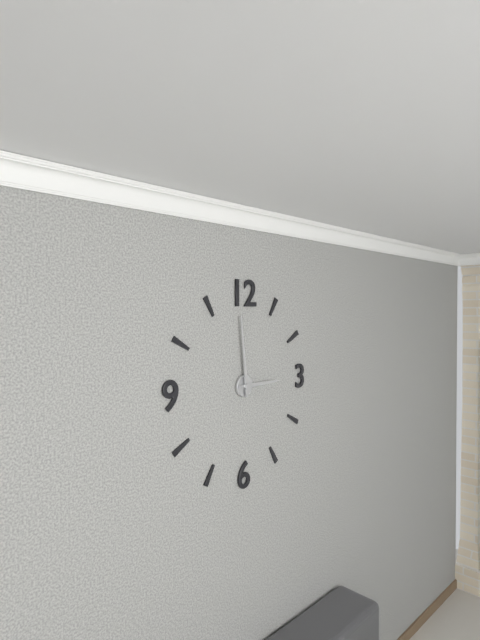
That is 2,59
